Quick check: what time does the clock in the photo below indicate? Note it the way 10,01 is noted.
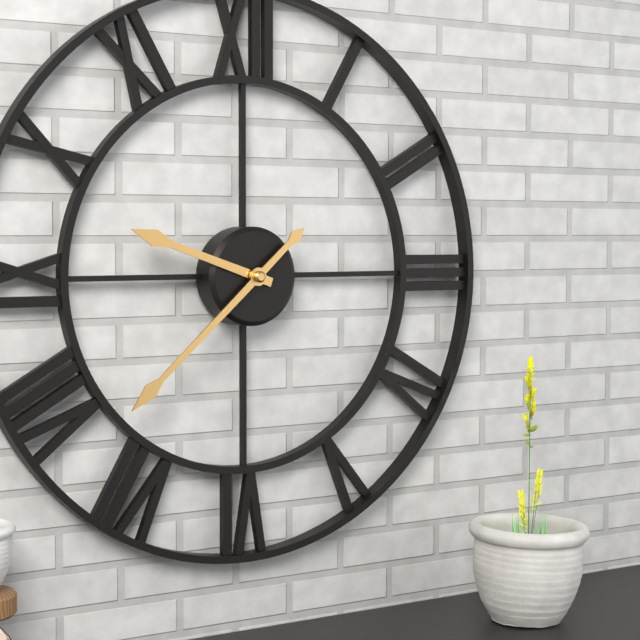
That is 9,38
